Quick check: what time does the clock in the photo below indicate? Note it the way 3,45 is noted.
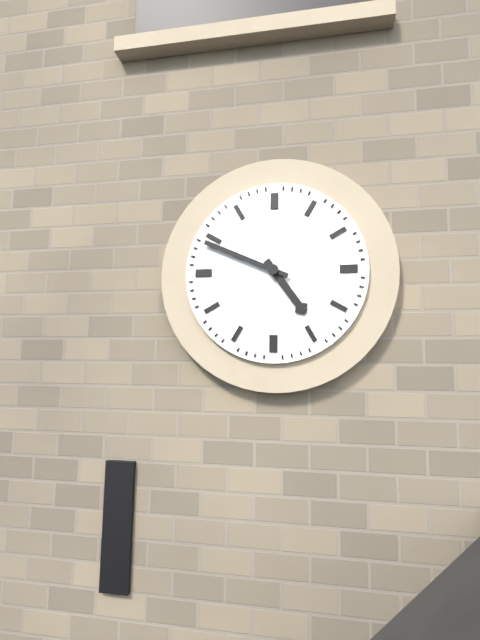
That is 4,49
